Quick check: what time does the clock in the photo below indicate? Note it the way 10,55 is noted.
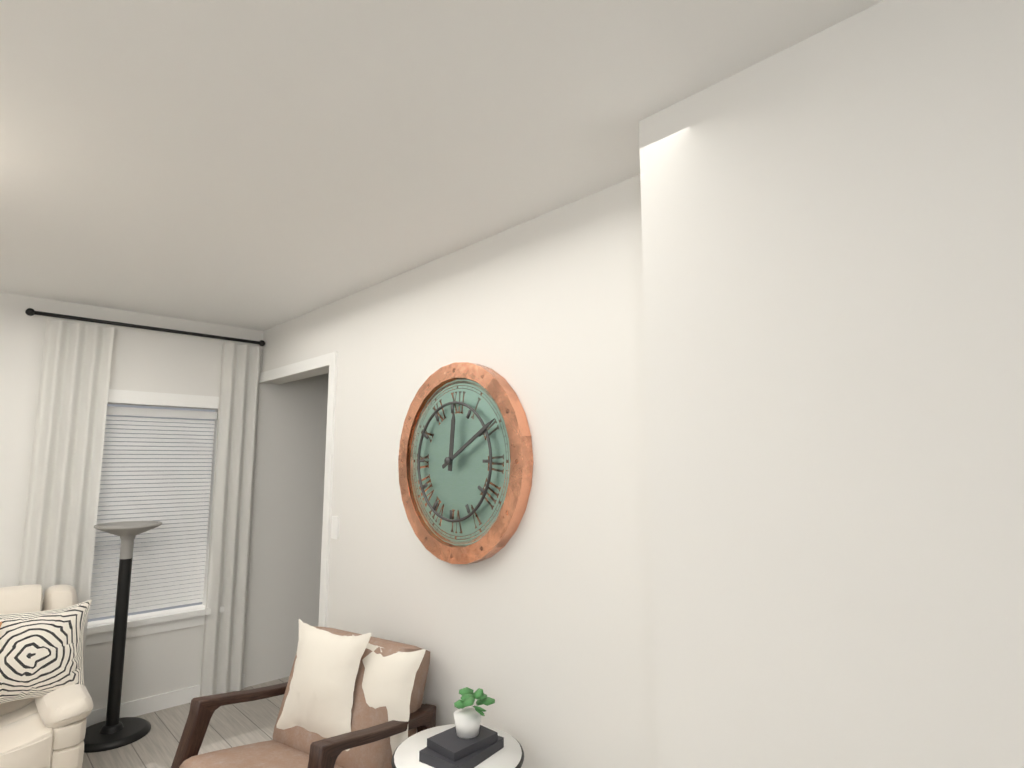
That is 12,10
